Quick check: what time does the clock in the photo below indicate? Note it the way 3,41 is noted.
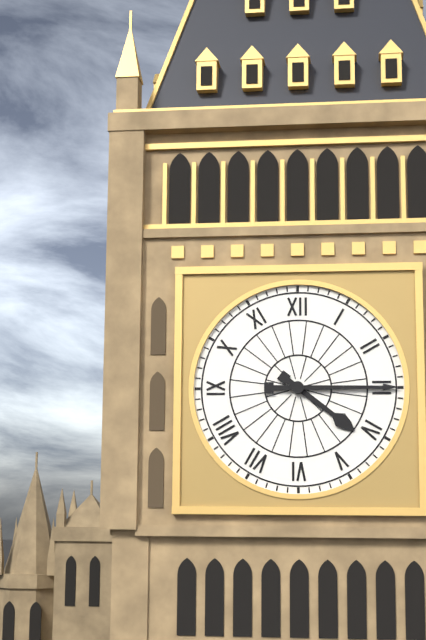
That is 4,15
